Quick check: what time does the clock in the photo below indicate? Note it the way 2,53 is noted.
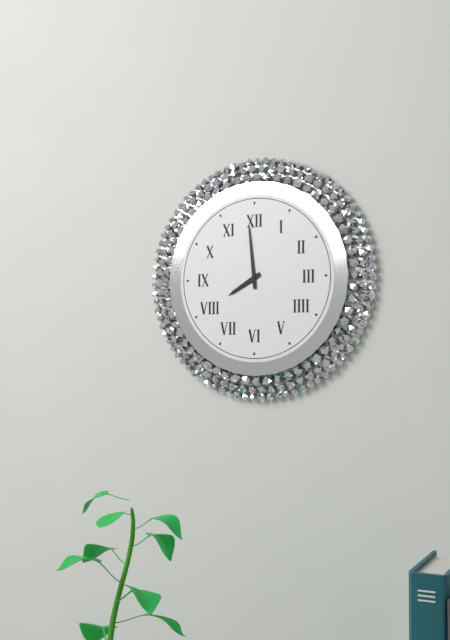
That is 7,59
